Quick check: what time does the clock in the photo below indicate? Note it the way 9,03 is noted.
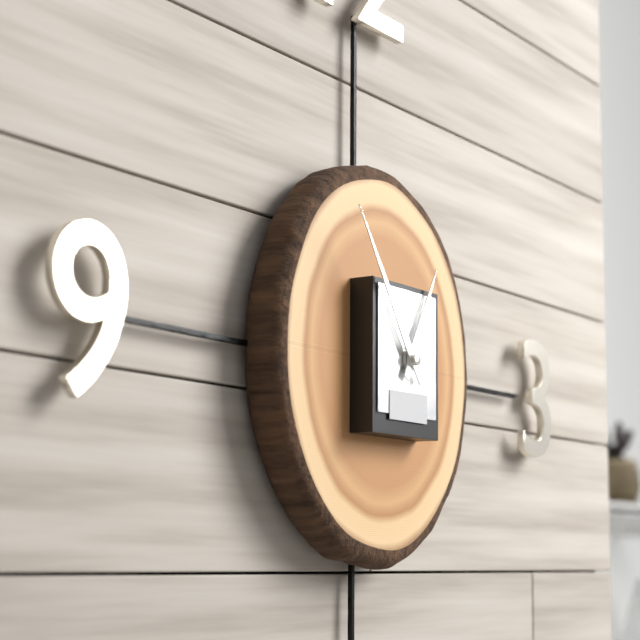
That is 12,54
